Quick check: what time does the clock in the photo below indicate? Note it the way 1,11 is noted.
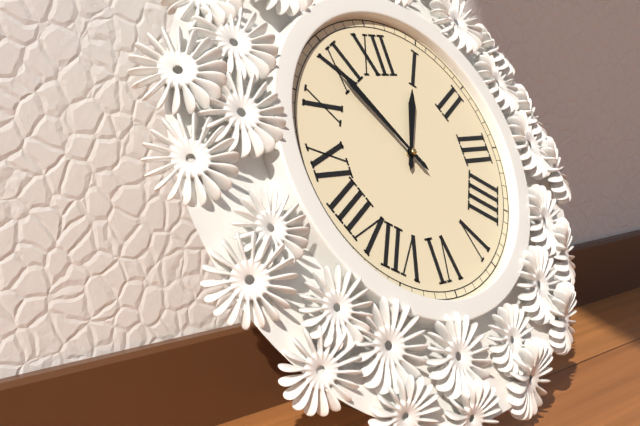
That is 12,54
